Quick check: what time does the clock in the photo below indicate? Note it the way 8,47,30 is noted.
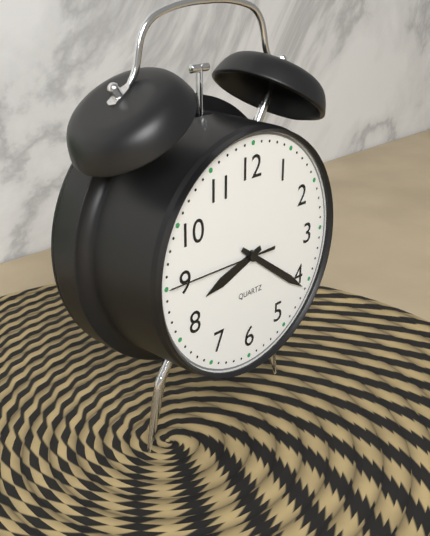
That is 8,21,45
